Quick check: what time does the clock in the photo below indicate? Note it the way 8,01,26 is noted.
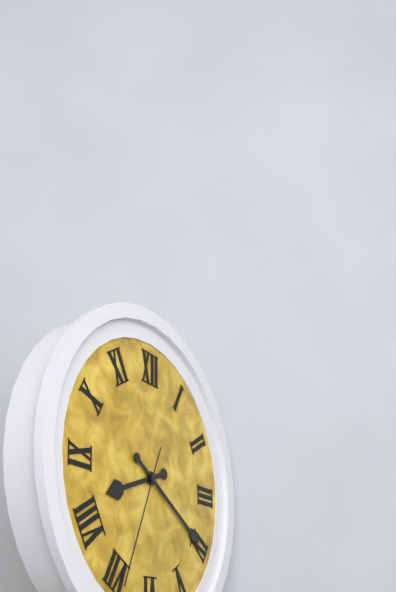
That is 8,20,34
